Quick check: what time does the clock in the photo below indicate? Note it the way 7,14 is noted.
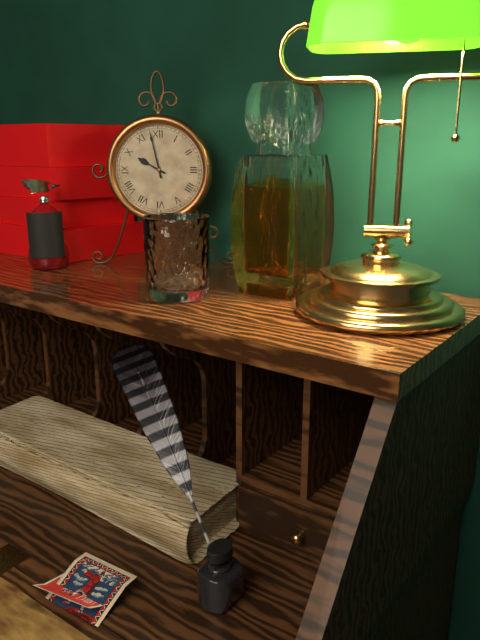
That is 9,58
